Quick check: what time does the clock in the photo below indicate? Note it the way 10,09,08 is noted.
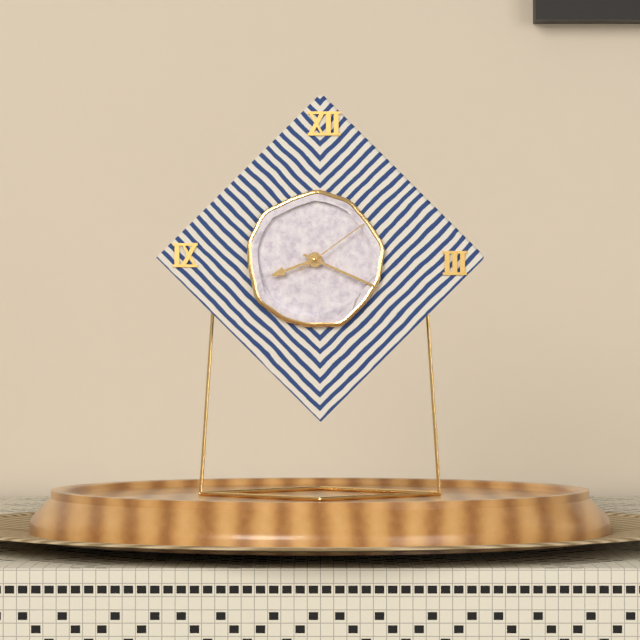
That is 8,19,09
